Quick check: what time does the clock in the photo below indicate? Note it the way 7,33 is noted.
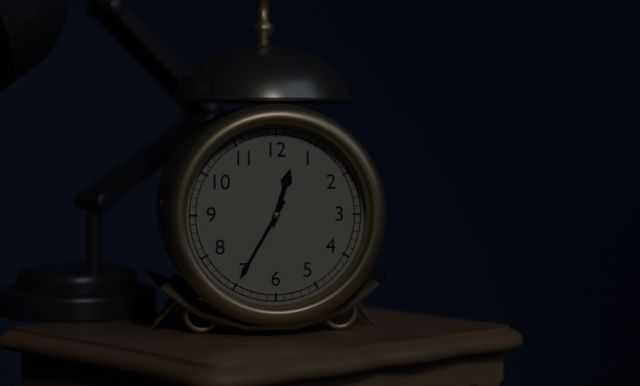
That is 12,35
